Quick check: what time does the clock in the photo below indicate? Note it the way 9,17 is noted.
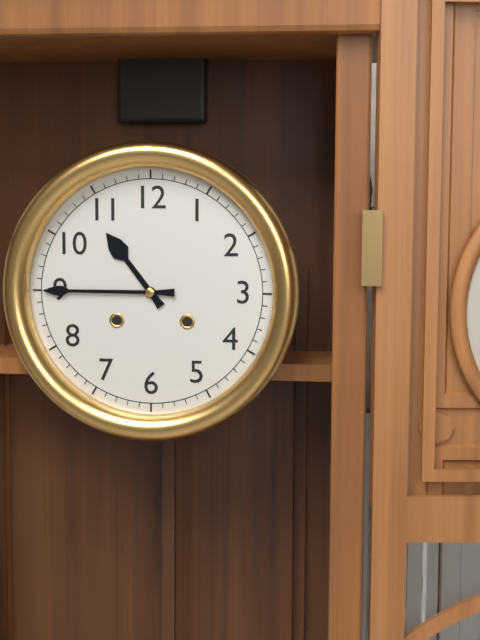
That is 10,45
